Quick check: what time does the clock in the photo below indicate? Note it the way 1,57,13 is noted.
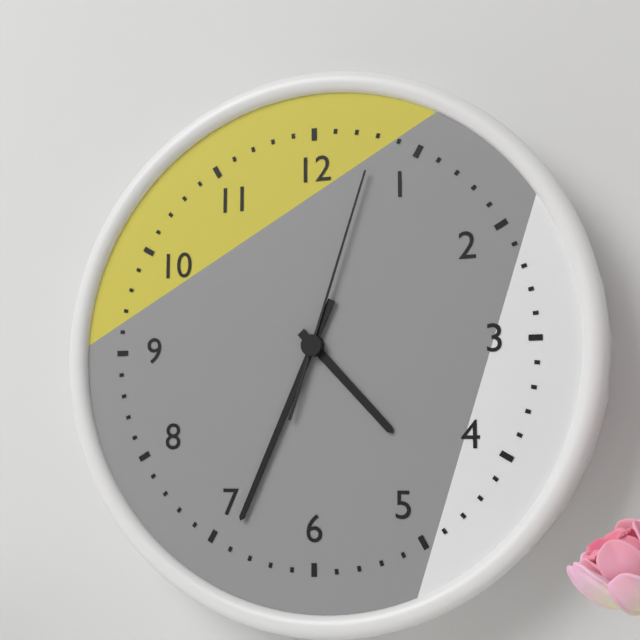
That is 4,34,03
